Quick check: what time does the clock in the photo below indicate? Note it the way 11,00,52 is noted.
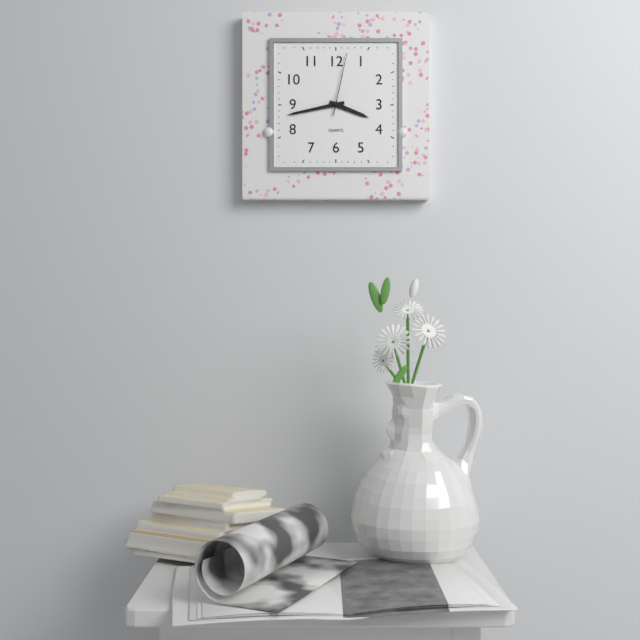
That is 3,43,02
